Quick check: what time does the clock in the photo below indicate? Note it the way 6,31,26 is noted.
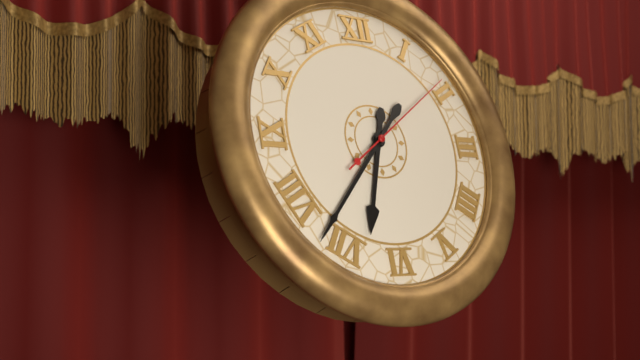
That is 6,37,09
